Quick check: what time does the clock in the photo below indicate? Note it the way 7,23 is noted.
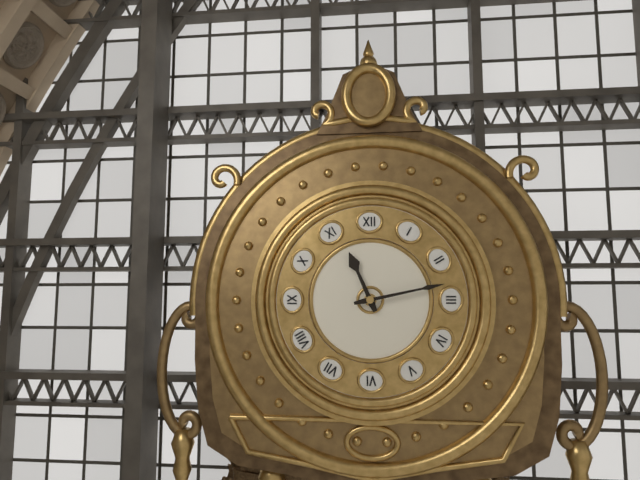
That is 11,13
